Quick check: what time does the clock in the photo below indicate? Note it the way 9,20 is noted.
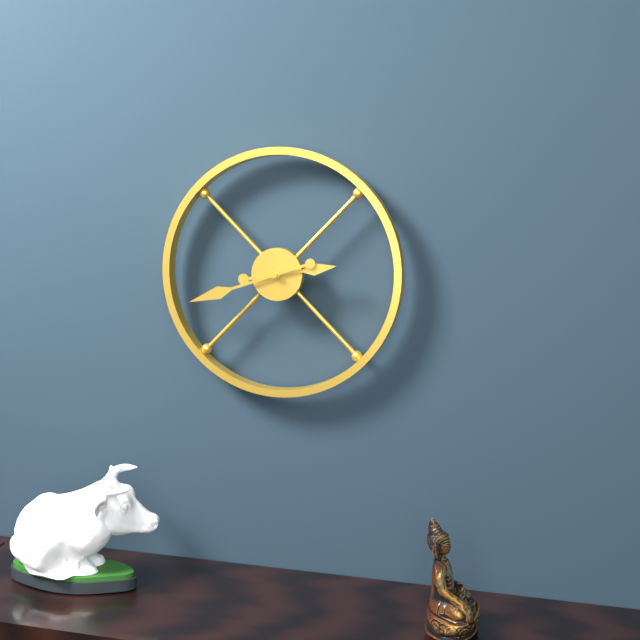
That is 2,42
